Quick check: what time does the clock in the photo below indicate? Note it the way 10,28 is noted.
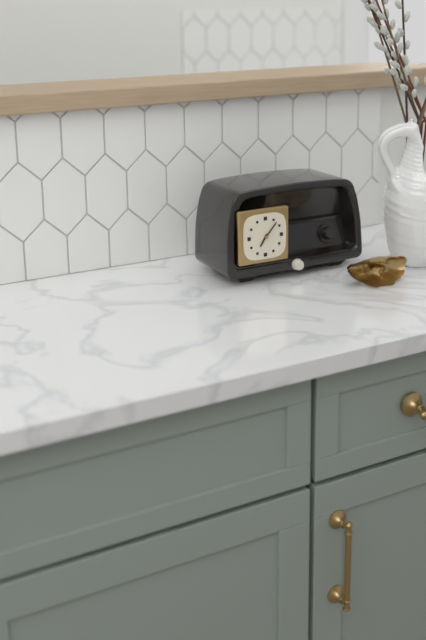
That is 7,07
